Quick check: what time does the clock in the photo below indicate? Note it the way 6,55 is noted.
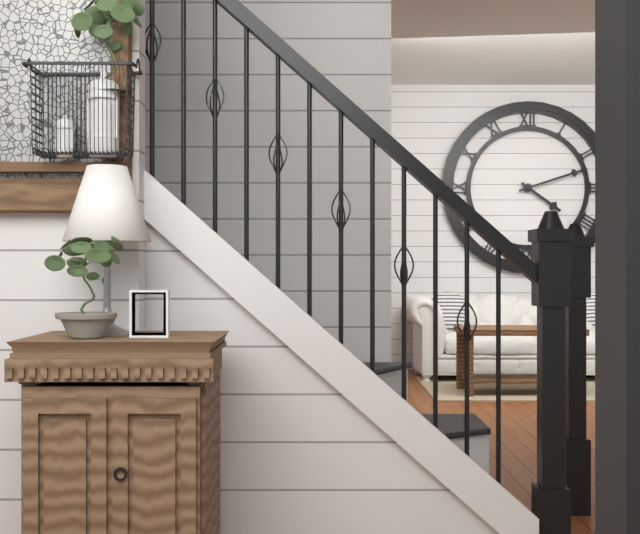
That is 4,12
